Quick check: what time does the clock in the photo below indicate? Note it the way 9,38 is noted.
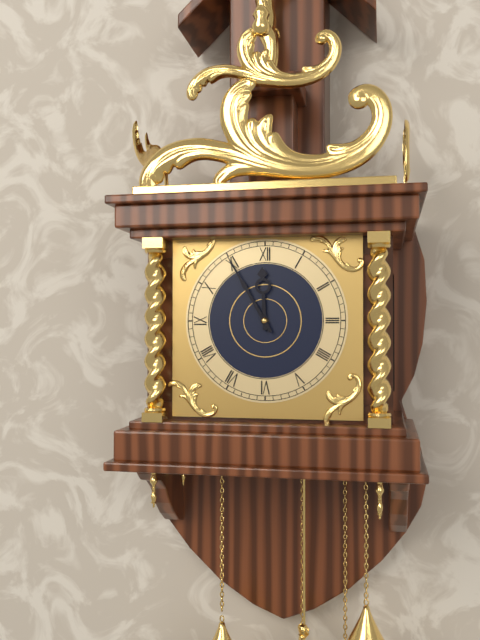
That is 11,55
